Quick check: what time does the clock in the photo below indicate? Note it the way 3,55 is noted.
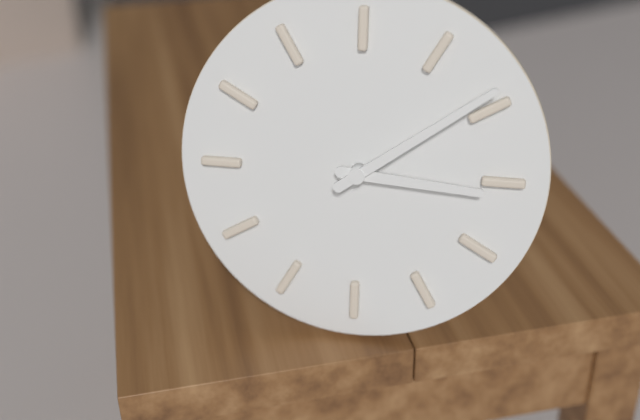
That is 3,09
